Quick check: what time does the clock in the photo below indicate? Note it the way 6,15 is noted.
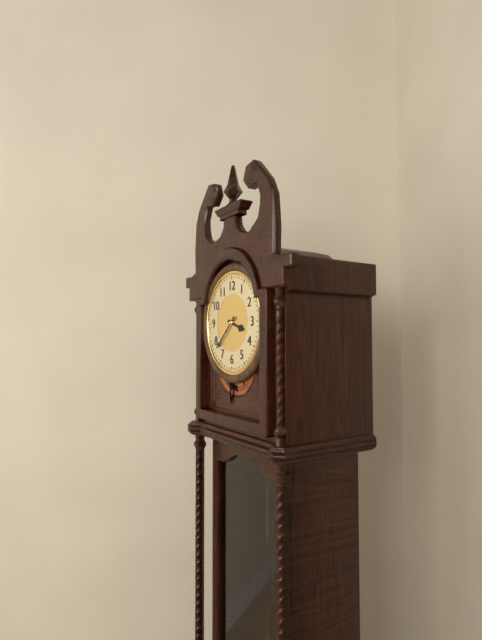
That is 3,38
